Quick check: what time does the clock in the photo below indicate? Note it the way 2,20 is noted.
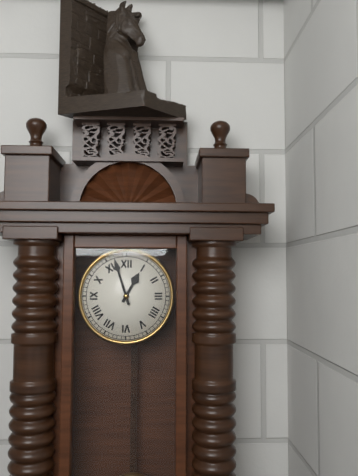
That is 12,57
